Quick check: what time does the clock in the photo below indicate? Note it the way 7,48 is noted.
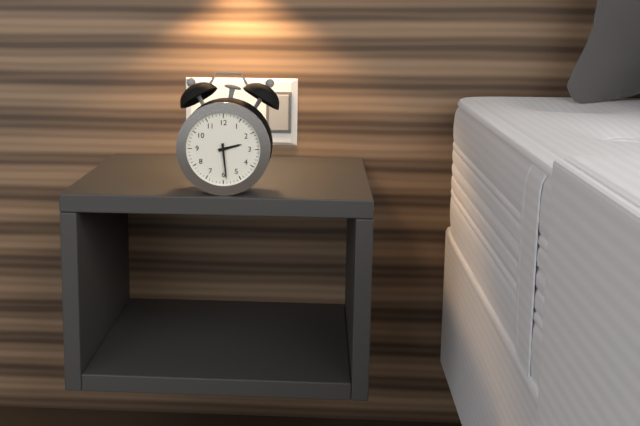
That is 2,29
